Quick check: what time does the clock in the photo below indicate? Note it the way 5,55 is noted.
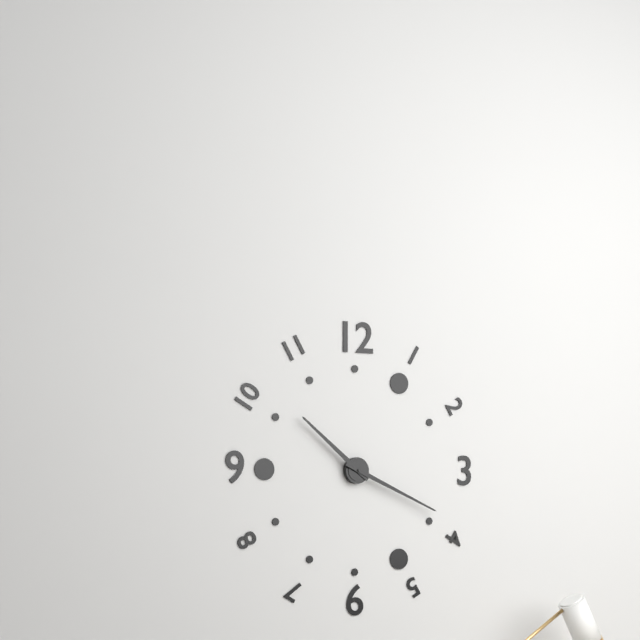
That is 10,19
